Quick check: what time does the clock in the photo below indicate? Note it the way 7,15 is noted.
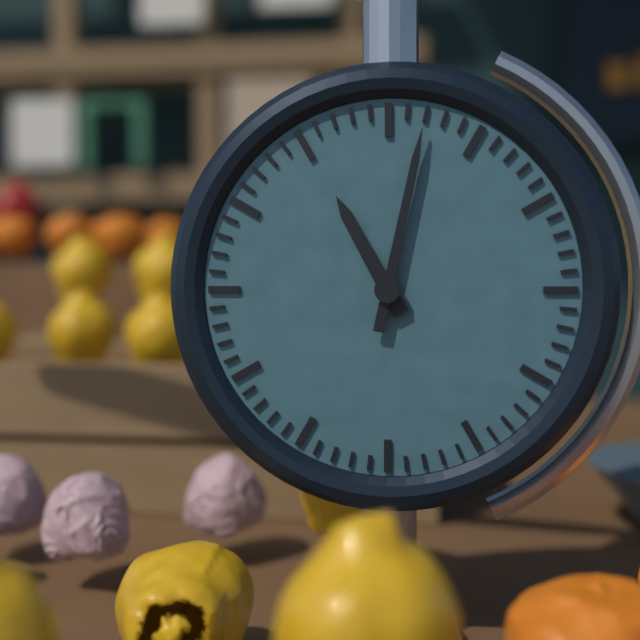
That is 11,02
